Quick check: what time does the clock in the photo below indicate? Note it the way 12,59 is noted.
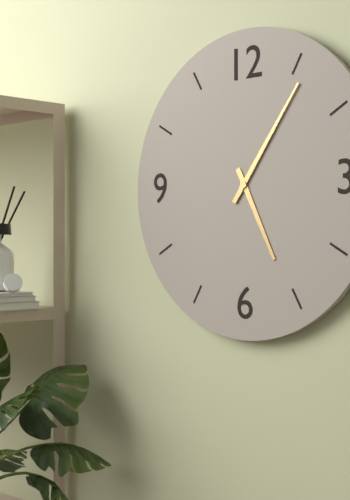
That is 5,06
